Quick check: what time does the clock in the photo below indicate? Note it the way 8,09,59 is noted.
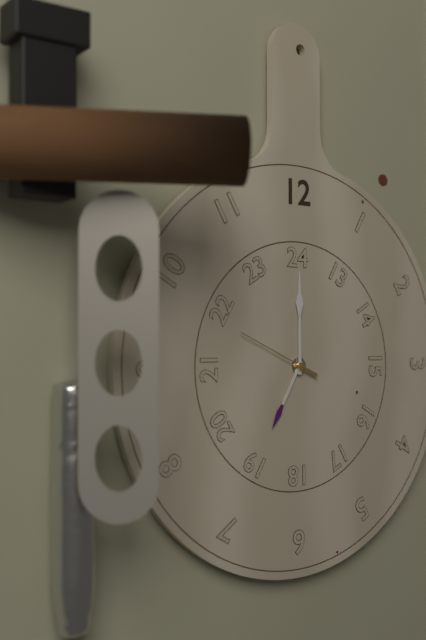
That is 7,00,49
